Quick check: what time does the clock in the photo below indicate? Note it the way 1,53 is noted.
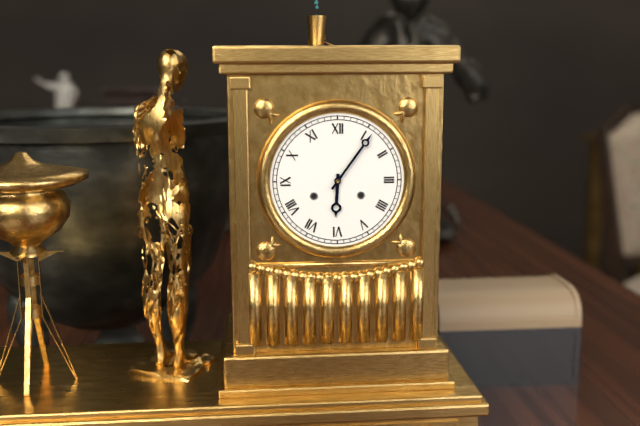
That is 6,06
